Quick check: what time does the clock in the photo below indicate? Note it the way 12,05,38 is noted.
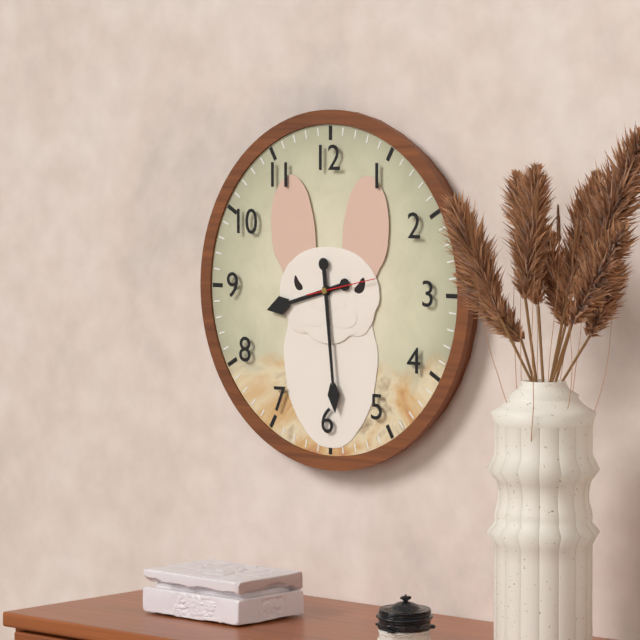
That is 8,29,13
